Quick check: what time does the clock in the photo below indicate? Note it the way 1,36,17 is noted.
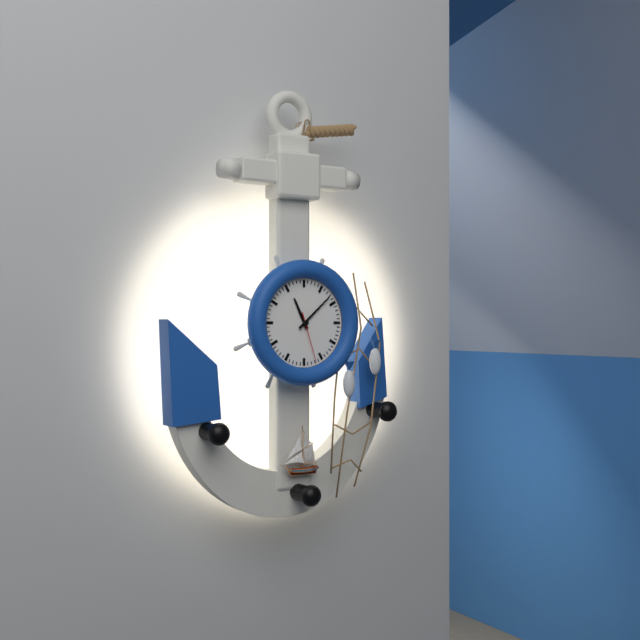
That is 11,08,27
